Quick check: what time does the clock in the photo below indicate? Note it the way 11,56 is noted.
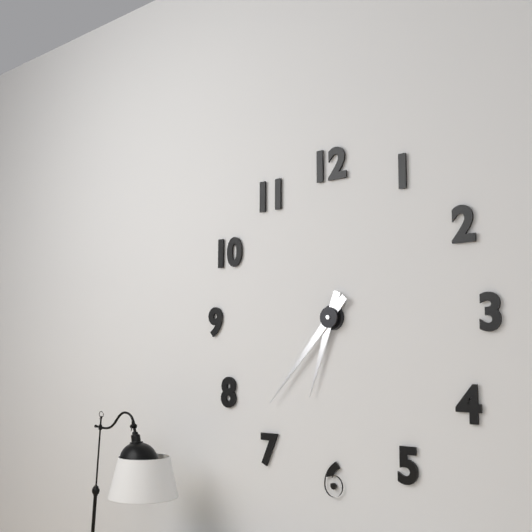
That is 6,37
